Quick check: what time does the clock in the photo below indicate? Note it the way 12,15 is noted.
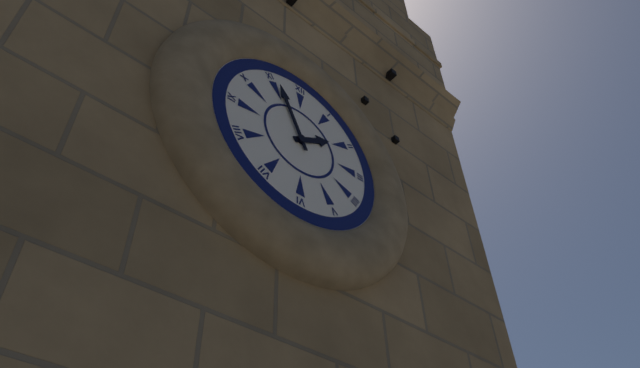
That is 1,56
